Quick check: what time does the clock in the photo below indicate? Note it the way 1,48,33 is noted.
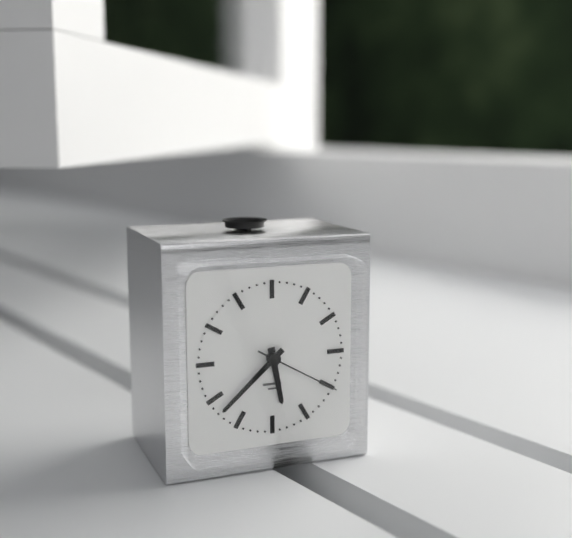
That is 5,38,20
